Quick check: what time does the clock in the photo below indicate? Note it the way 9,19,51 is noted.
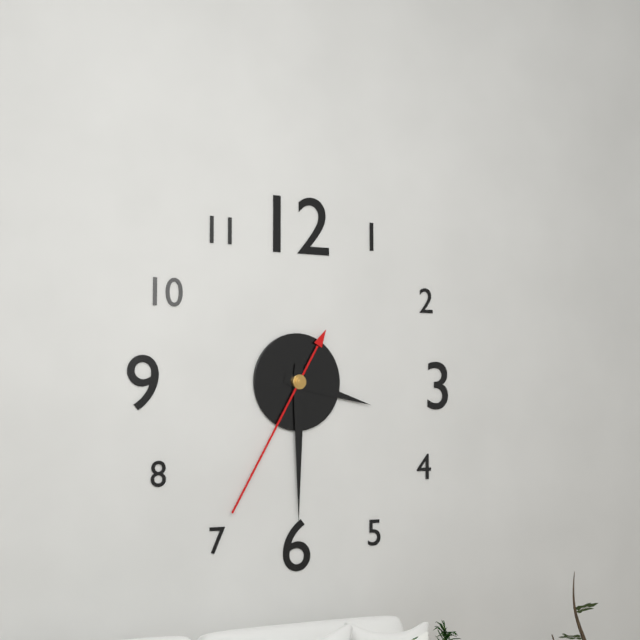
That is 3,30,35
